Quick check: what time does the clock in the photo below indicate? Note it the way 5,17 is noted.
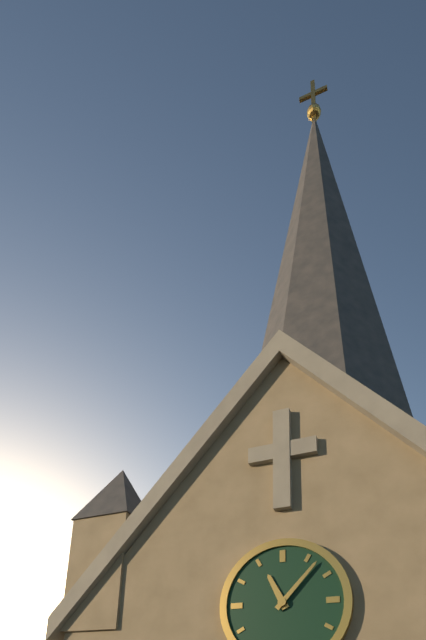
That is 11,07
